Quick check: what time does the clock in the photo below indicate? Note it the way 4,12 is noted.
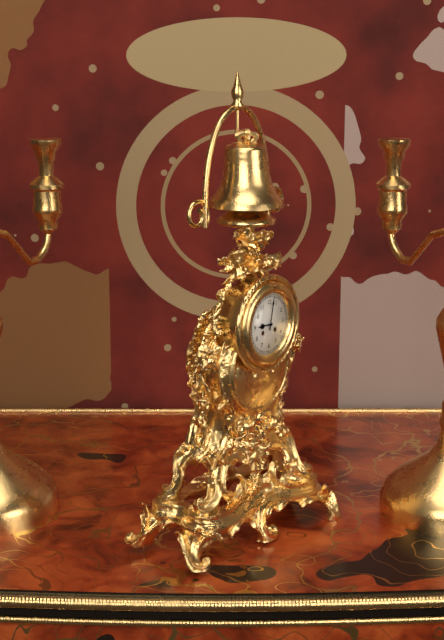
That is 9,02
